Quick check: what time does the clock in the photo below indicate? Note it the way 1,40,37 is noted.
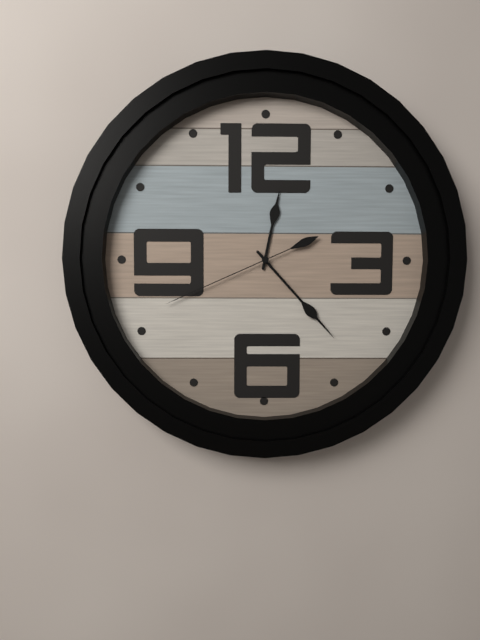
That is 12,23,41
